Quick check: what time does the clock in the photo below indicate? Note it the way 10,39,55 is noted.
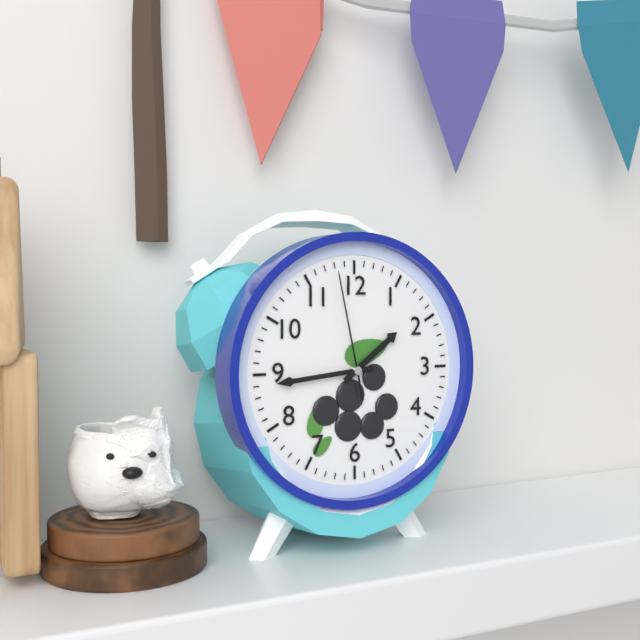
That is 1,44,58
